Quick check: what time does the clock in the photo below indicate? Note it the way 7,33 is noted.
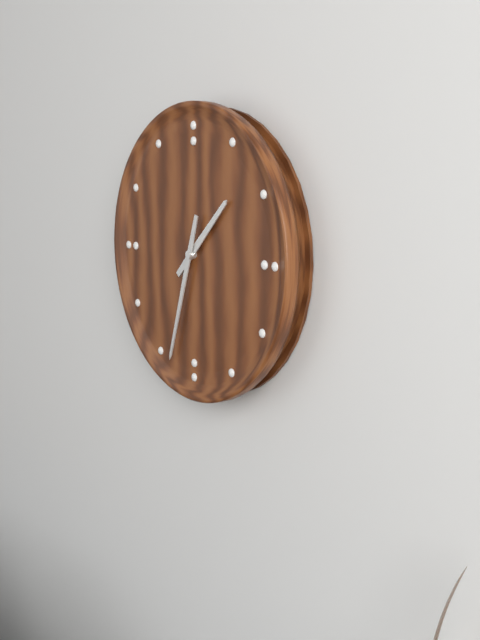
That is 1,33
